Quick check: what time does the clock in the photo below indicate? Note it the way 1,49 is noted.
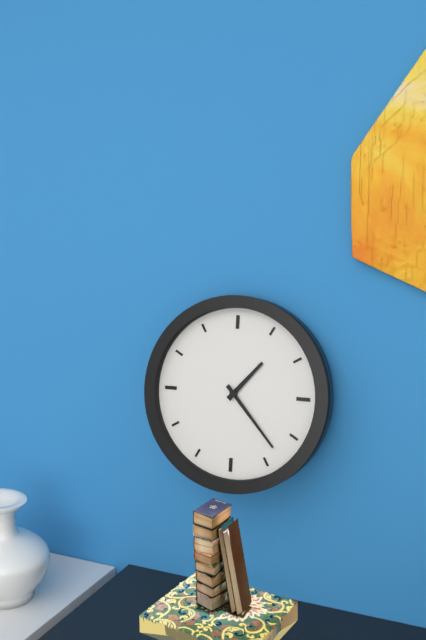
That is 1,23
